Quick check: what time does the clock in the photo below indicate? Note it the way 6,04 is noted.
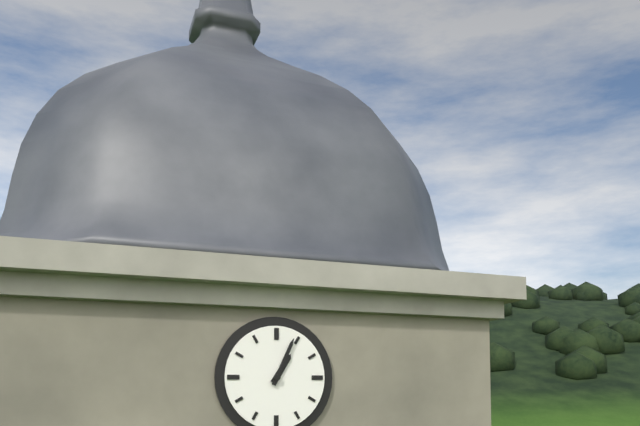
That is 1,04
